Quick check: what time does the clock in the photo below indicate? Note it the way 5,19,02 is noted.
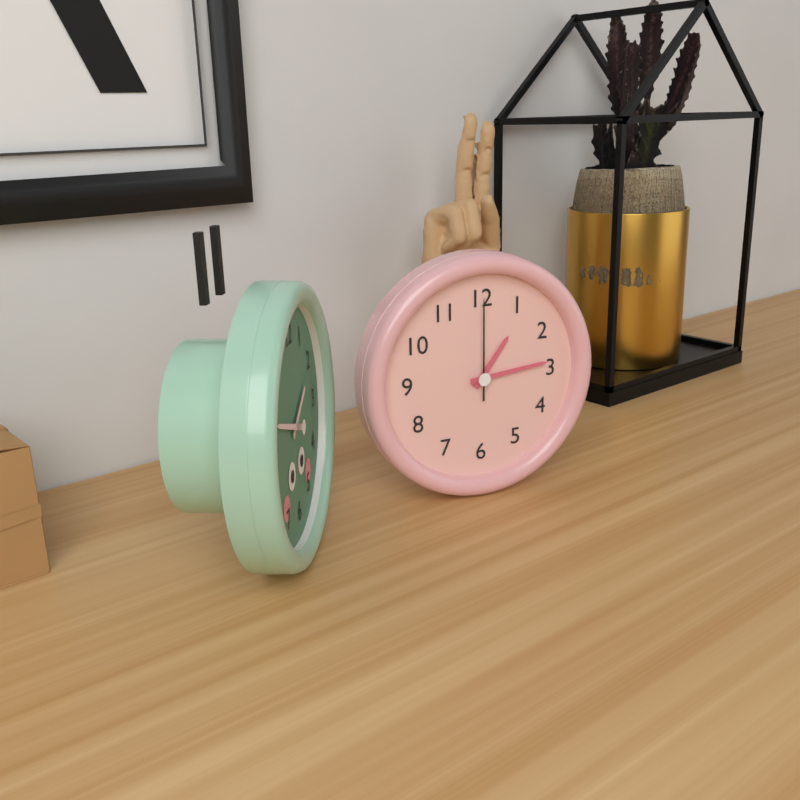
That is 1,14,00
